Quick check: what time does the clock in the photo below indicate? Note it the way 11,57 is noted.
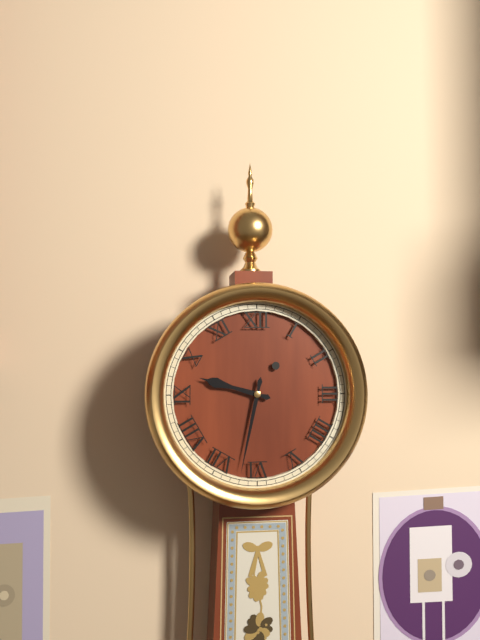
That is 9,32
